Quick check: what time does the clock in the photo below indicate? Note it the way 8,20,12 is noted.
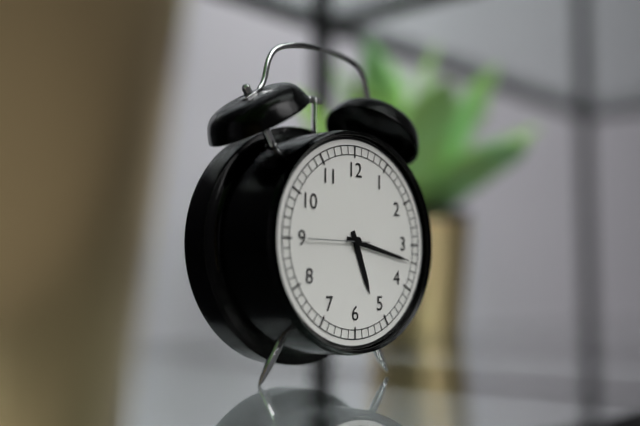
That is 5,17,45
